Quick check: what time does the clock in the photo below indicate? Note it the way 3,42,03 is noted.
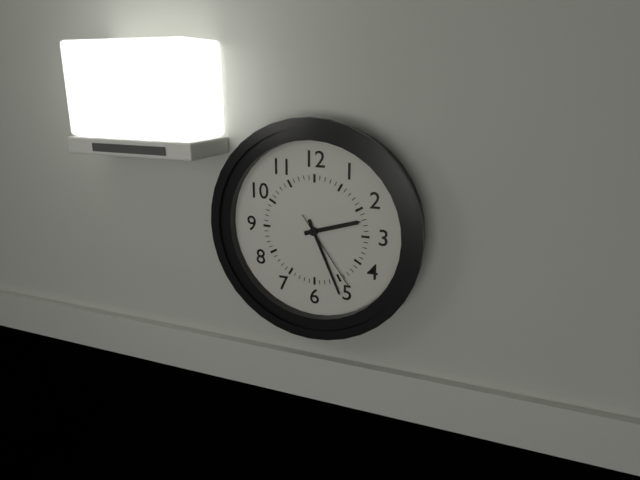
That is 2,26,24
